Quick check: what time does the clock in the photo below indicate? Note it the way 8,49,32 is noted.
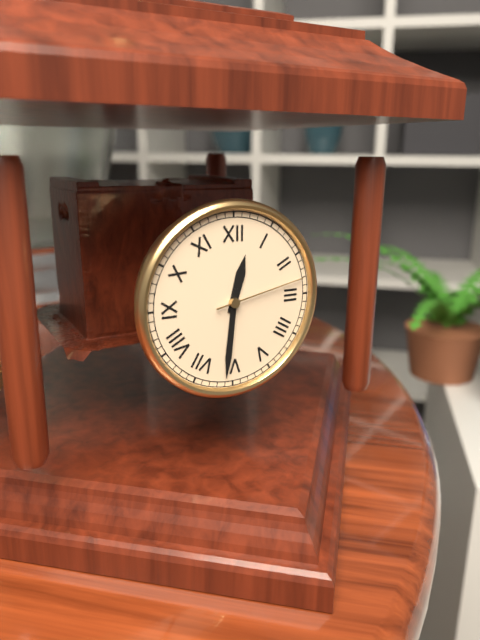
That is 12,31,13
